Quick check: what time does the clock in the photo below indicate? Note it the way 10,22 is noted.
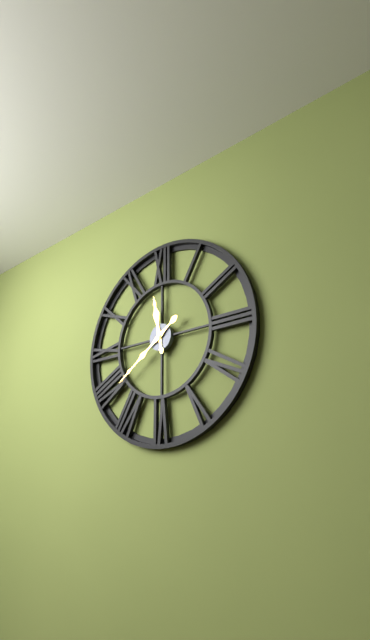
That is 11,39
